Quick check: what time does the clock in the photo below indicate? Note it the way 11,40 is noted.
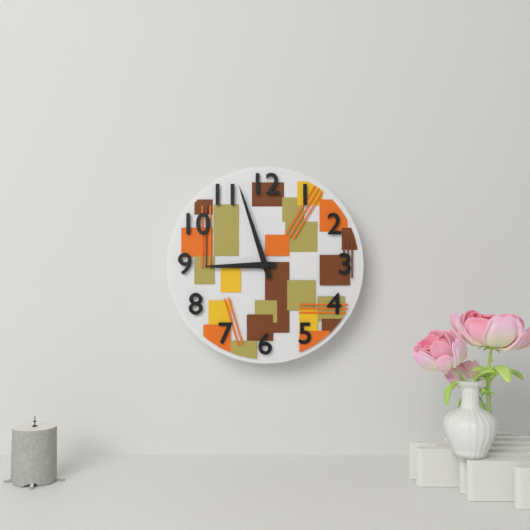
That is 8,57
